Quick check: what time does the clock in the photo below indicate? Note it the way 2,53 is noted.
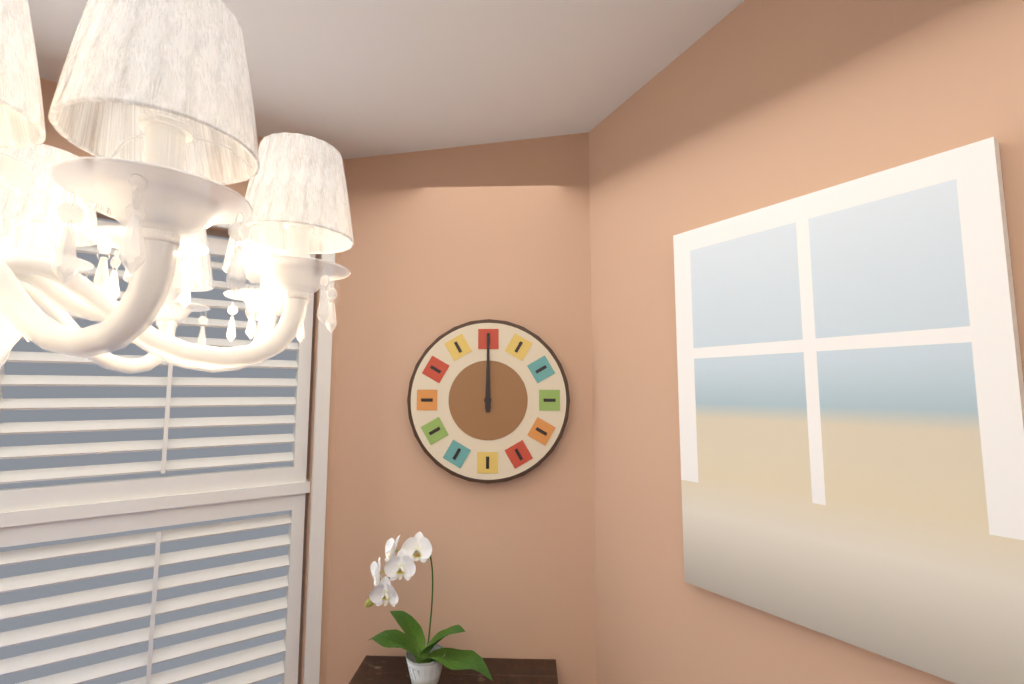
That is 12,00
